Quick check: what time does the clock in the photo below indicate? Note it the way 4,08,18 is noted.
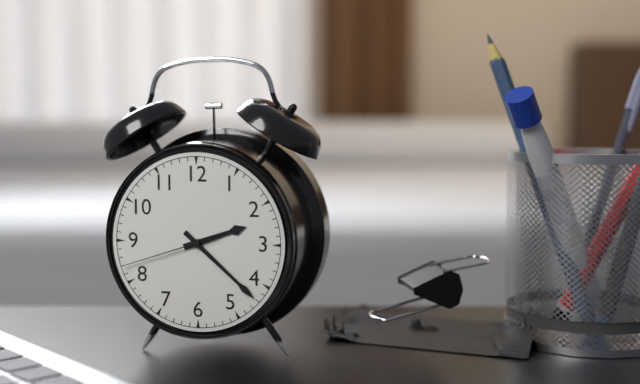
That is 2,22,42
